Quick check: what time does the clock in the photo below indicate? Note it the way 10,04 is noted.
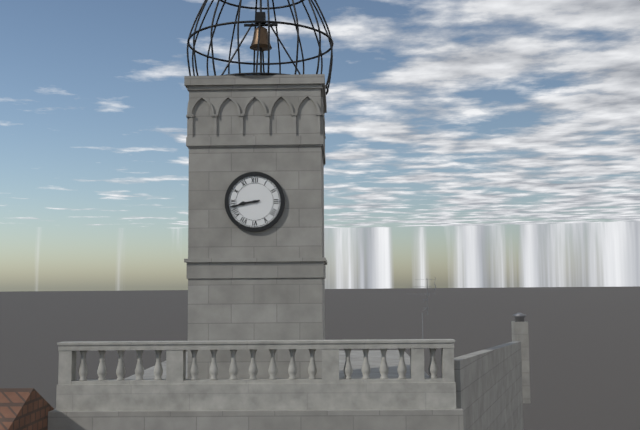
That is 8,43
